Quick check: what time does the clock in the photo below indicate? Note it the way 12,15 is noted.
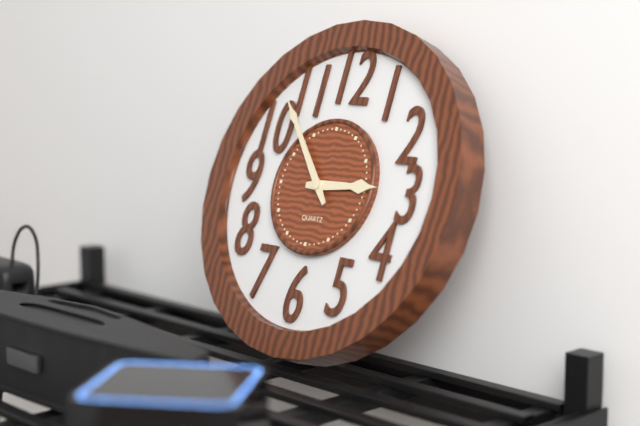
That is 2,53
